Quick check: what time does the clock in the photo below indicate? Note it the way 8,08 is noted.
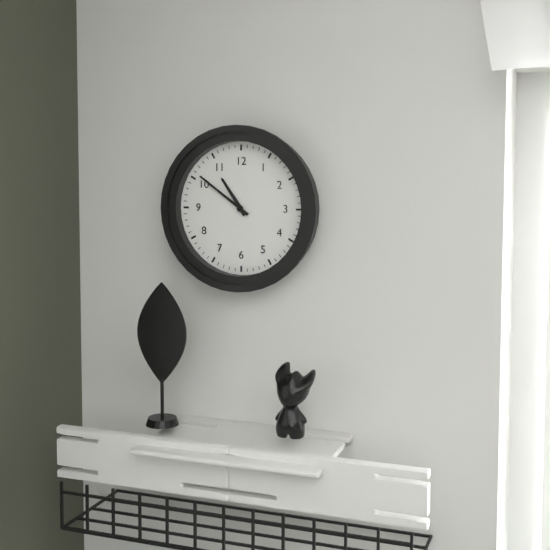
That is 10,51
